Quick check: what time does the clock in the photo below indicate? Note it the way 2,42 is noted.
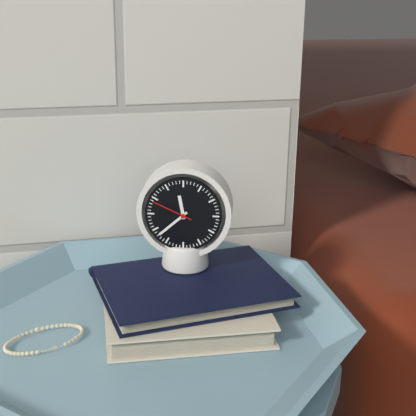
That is 11,38
